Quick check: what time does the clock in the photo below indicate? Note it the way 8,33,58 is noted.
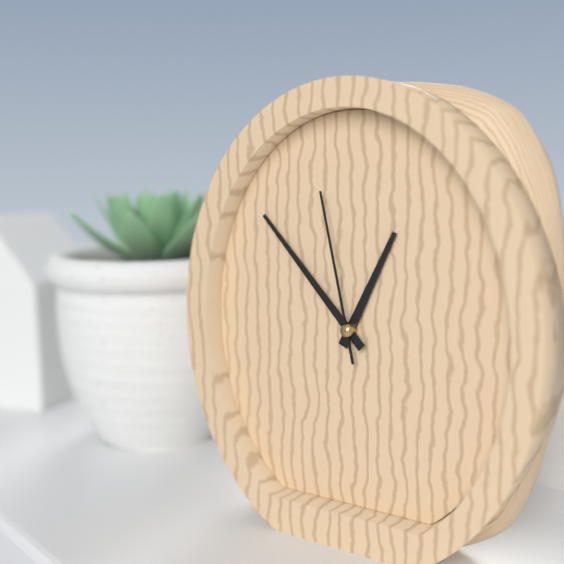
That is 12,53,58
